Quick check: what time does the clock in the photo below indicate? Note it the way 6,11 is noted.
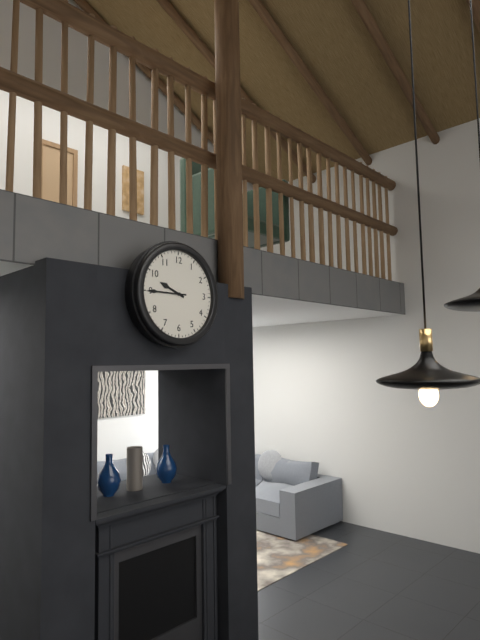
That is 9,45
